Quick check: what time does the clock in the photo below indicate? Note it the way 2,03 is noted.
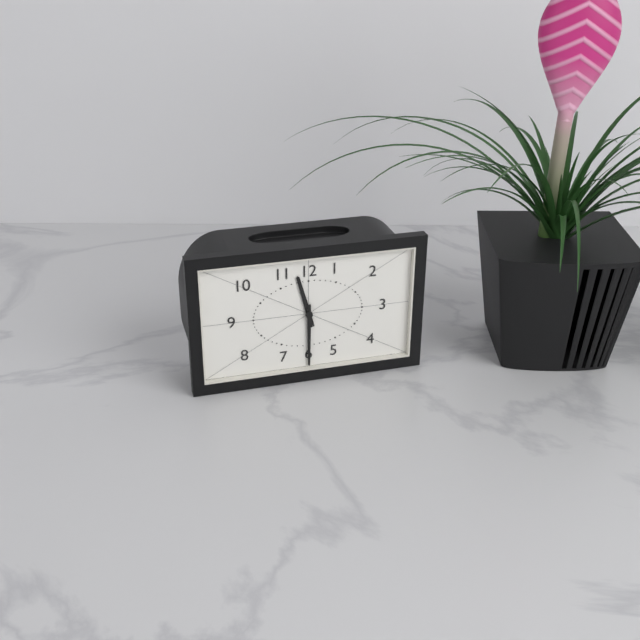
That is 11,30
